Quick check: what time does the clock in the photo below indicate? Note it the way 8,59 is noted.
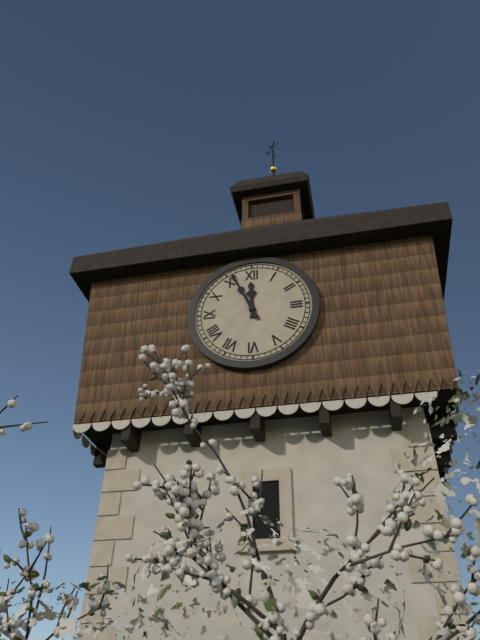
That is 11,56
